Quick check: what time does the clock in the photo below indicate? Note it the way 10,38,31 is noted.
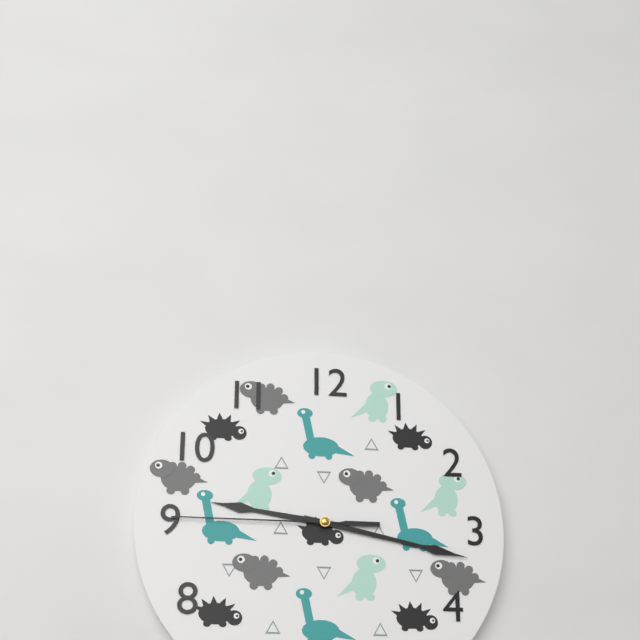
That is 9,17,45
